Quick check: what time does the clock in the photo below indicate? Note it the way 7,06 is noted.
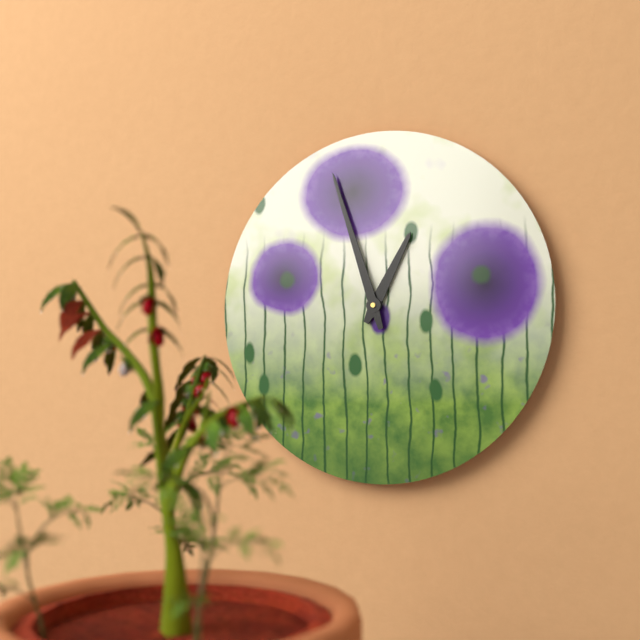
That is 12,57
